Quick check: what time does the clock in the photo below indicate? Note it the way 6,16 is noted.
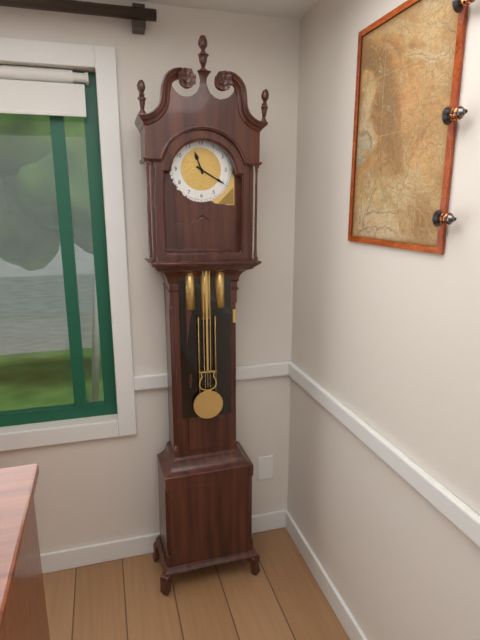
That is 11,20
